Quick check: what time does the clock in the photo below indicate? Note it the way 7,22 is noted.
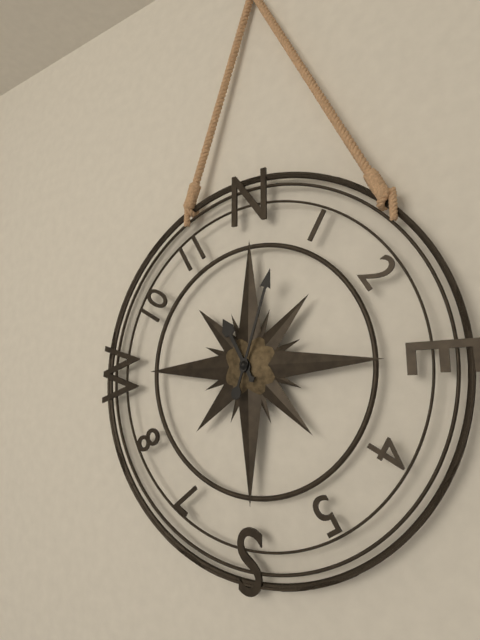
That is 11,03
